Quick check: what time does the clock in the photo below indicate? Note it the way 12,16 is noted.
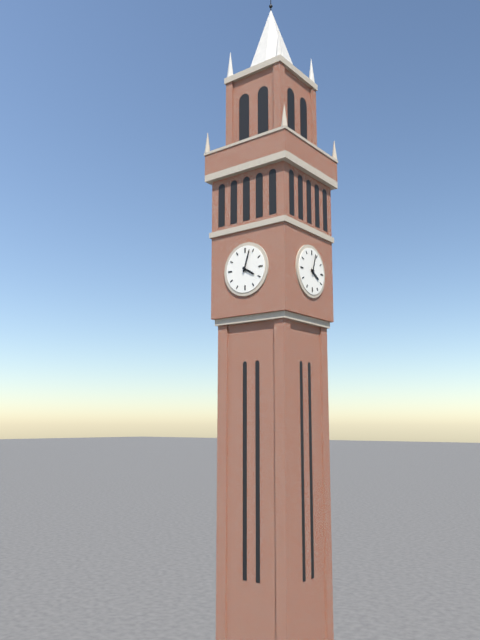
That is 4,03
